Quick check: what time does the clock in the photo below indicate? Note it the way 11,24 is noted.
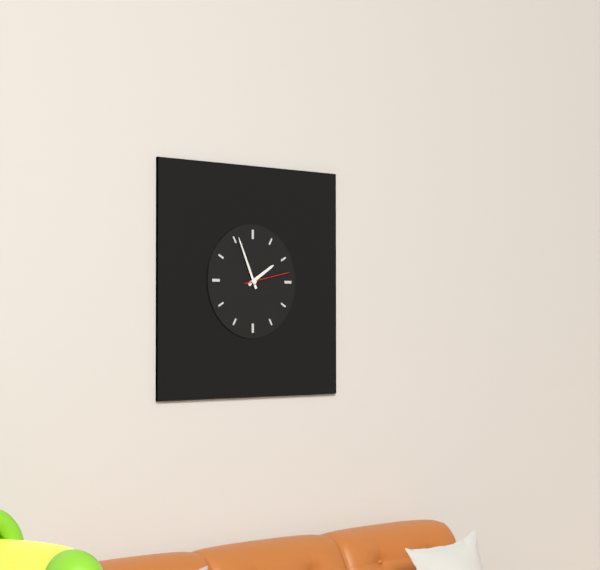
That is 1,56
